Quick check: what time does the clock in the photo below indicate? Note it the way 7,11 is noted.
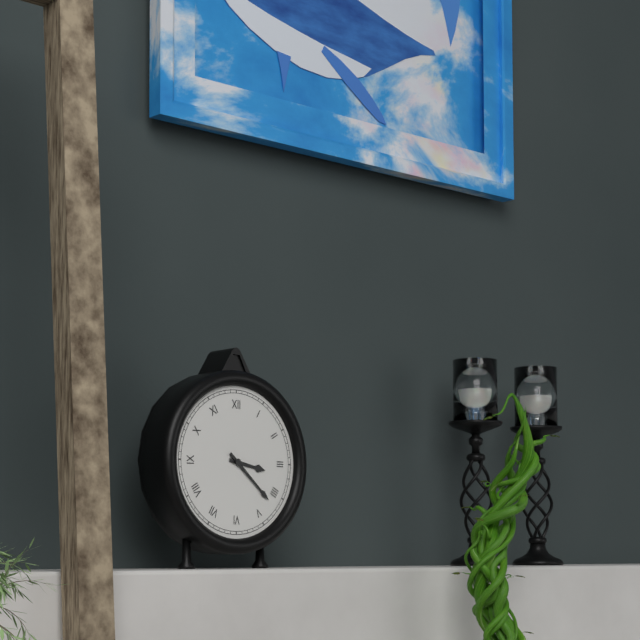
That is 3,22
